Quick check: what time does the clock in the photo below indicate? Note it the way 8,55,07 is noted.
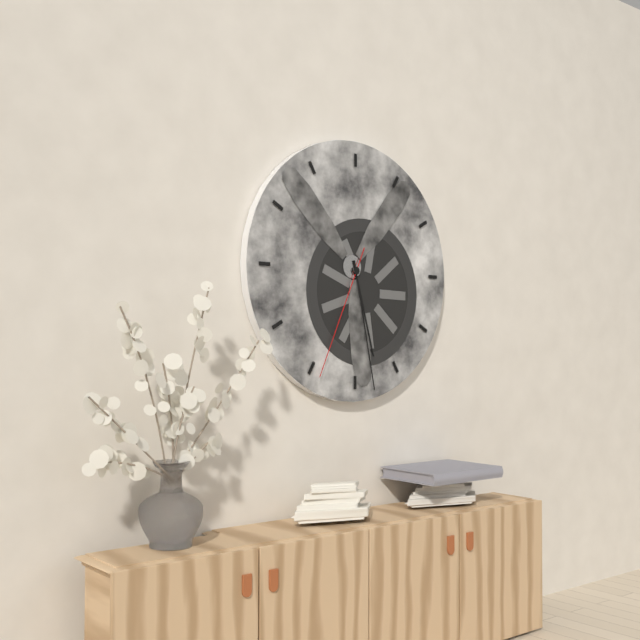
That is 5,28,34
